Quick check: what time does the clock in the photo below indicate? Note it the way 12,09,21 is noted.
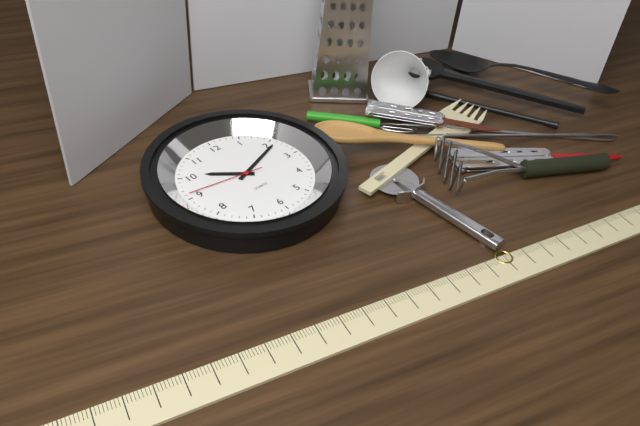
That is 10,11,46
